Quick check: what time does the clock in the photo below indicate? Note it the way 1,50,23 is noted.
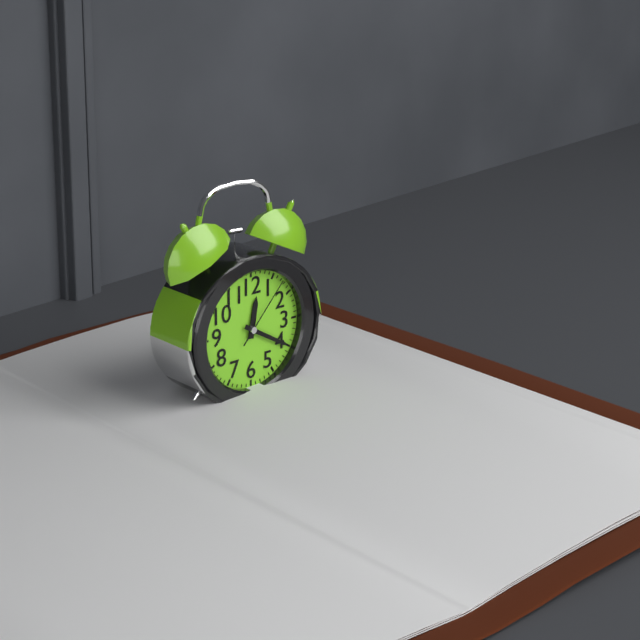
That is 12,20,07
